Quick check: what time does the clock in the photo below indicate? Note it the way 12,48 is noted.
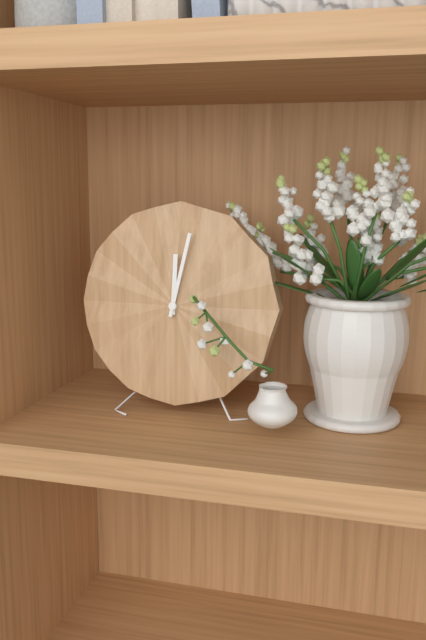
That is 12,02
